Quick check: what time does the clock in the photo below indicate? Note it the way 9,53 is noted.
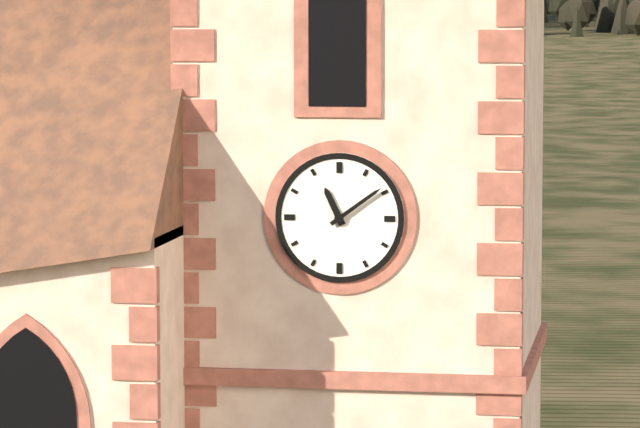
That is 11,09
